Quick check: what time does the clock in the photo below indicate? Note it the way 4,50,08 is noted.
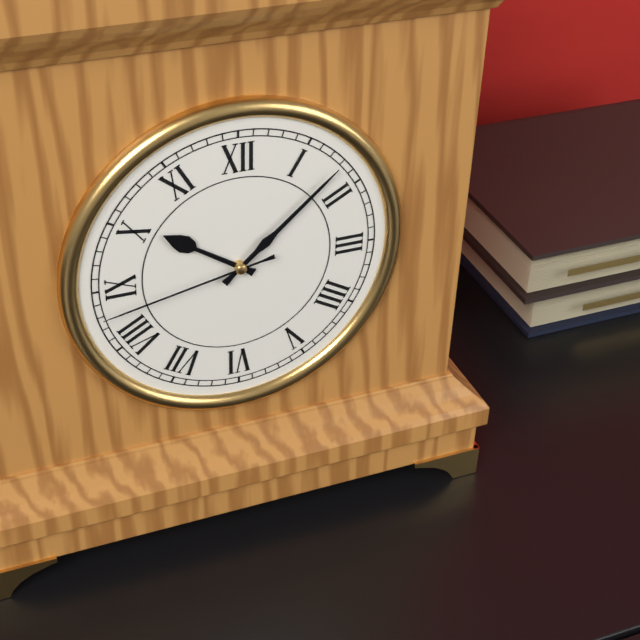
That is 10,08,43
